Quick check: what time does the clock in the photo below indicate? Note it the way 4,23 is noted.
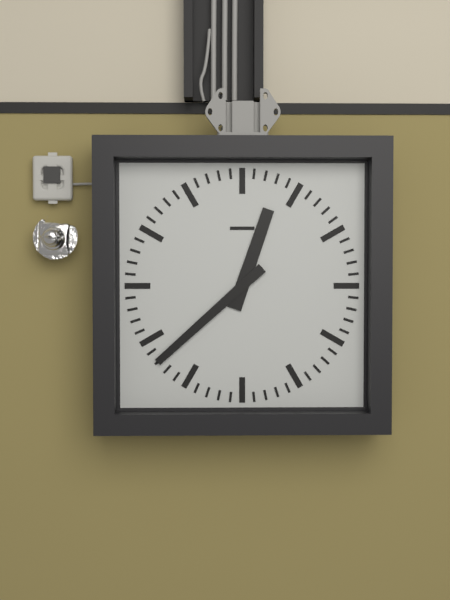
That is 12,38
